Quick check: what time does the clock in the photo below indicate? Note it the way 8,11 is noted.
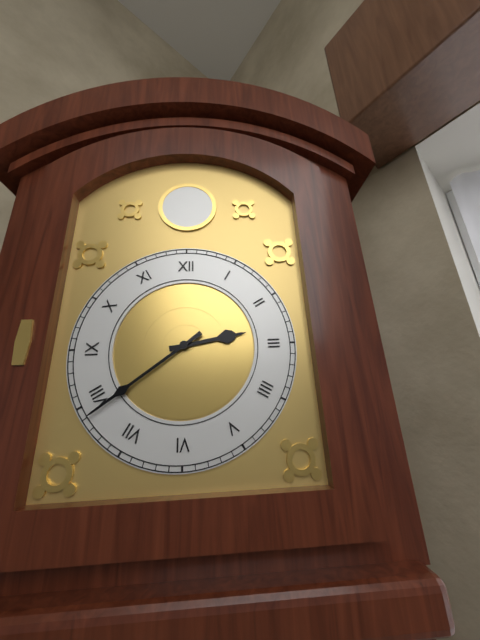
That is 2,39
